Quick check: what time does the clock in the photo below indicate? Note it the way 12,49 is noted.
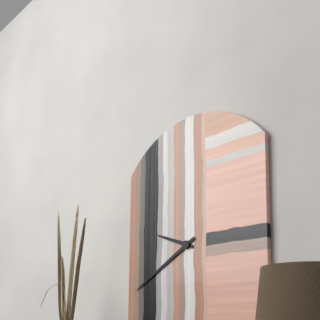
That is 9,40
